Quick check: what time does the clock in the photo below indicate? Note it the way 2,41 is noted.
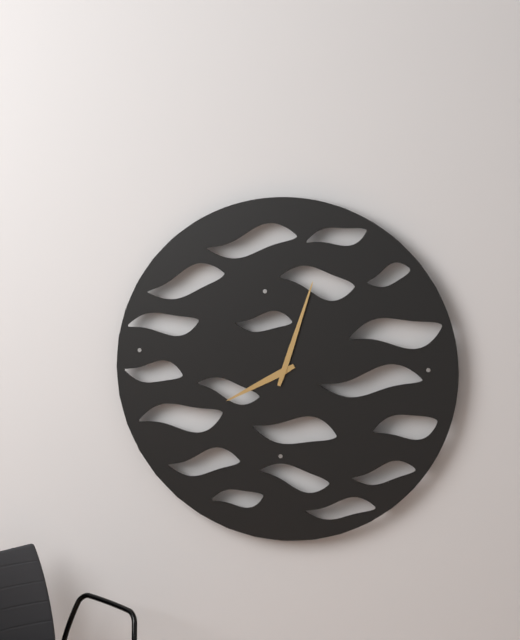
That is 8,03
